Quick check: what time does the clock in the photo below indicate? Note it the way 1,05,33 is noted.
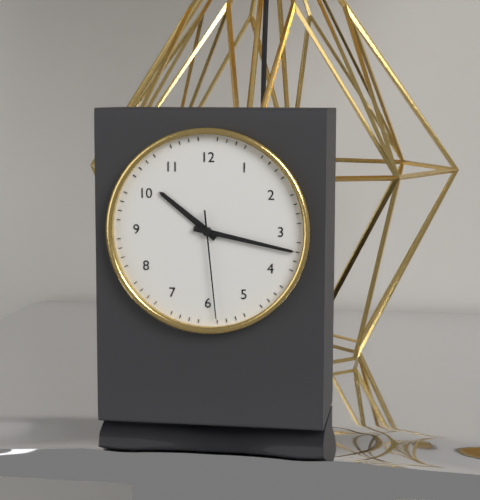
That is 10,17,29
